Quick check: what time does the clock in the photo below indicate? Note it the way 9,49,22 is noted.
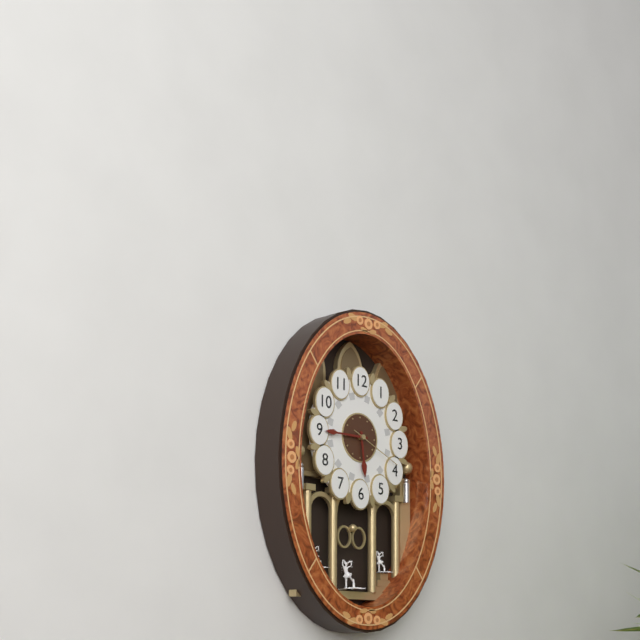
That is 5,45,19
